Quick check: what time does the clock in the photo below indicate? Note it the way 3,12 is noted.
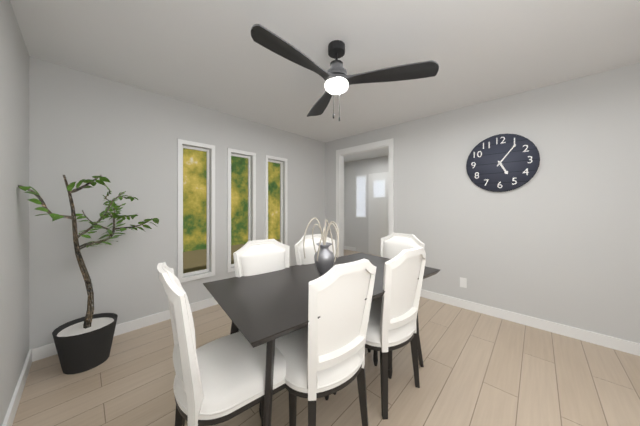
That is 5,06
